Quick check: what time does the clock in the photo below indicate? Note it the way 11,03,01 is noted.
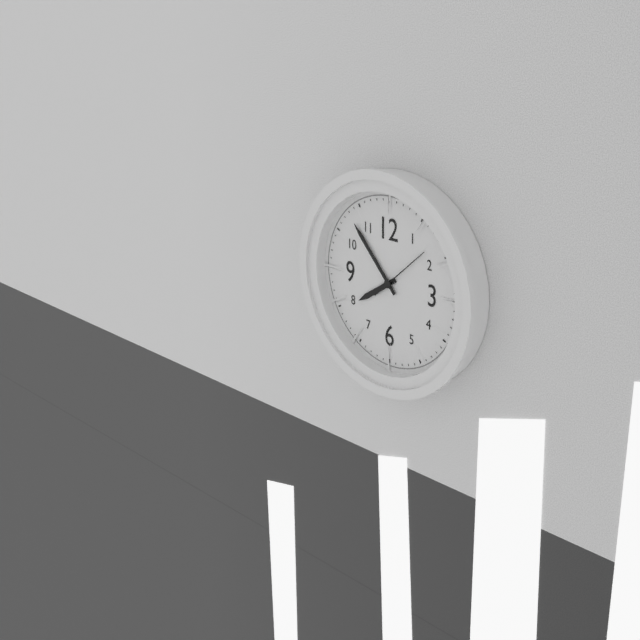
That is 7,53,08
